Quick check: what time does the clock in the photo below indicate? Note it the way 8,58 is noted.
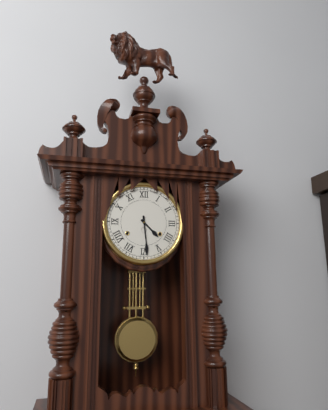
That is 4,29
